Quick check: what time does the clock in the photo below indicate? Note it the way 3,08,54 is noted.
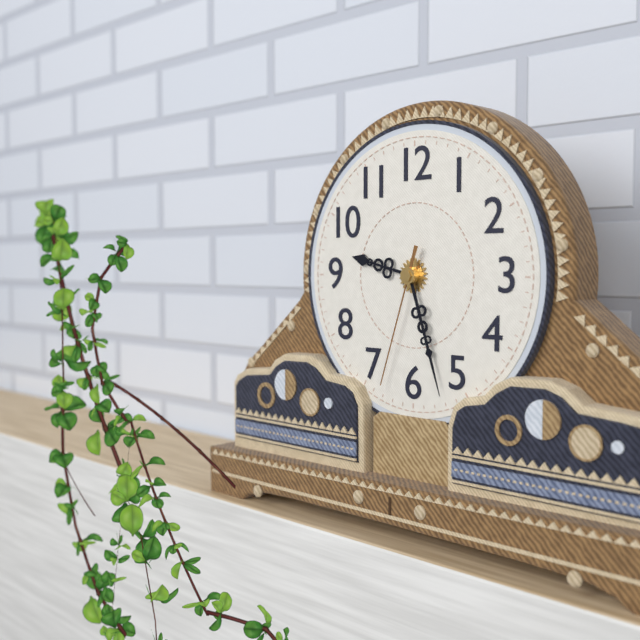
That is 9,27,33
